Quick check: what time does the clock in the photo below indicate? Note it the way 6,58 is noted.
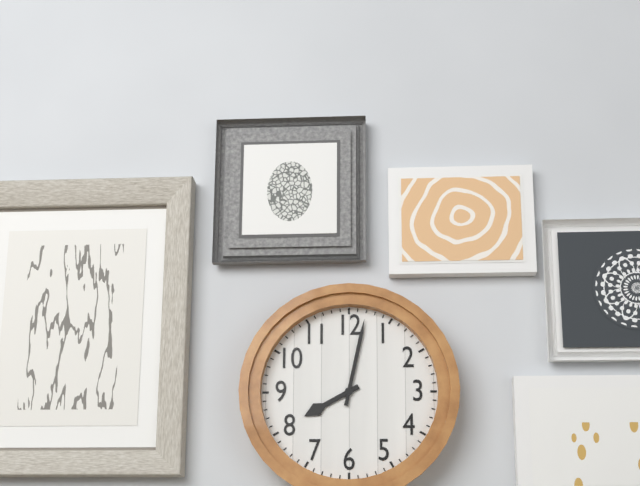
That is 8,02
